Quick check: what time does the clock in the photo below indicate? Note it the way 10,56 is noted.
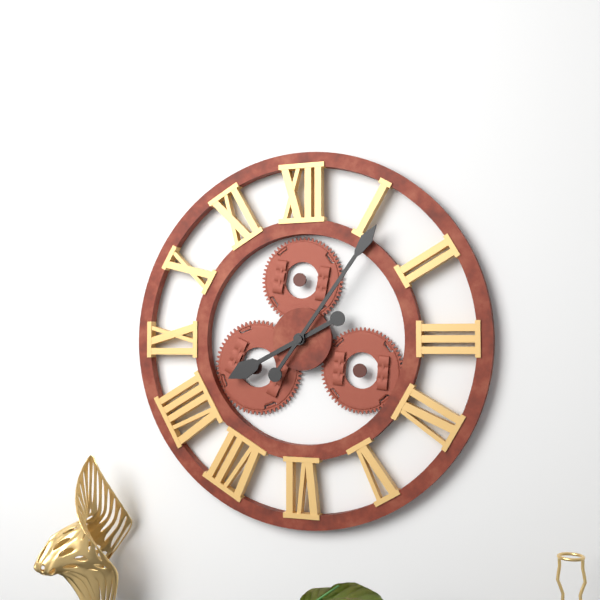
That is 8,06
